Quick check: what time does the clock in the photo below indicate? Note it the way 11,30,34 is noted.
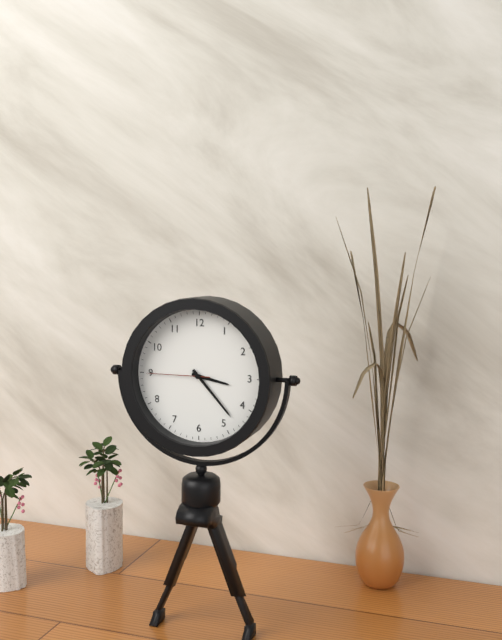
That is 3,23,45
